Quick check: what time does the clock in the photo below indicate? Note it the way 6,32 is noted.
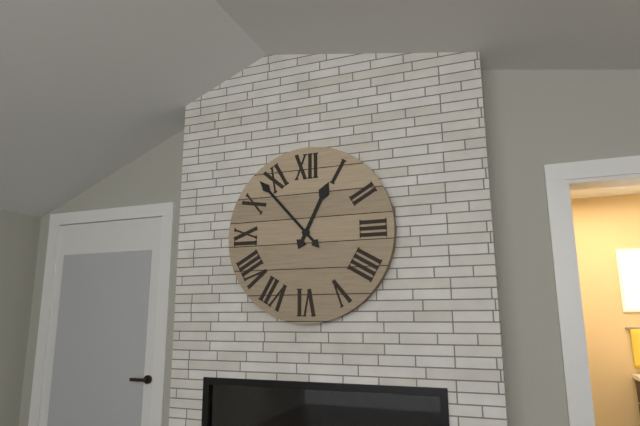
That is 12,53
